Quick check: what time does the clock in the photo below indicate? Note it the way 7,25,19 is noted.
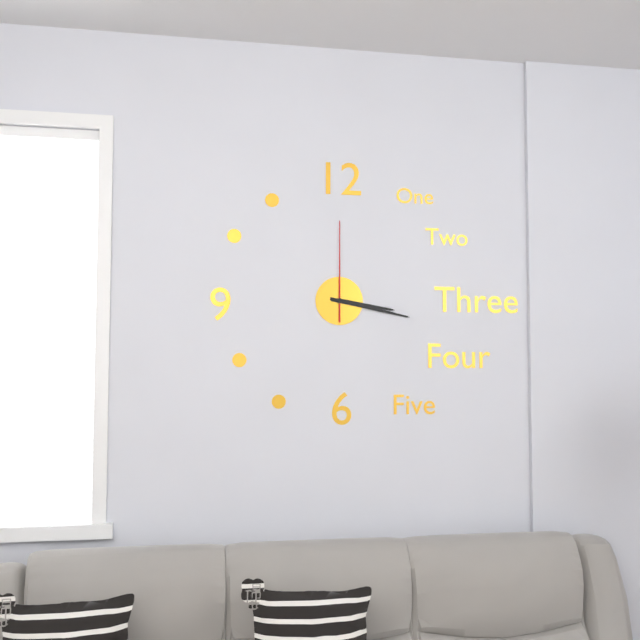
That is 3,17,00
